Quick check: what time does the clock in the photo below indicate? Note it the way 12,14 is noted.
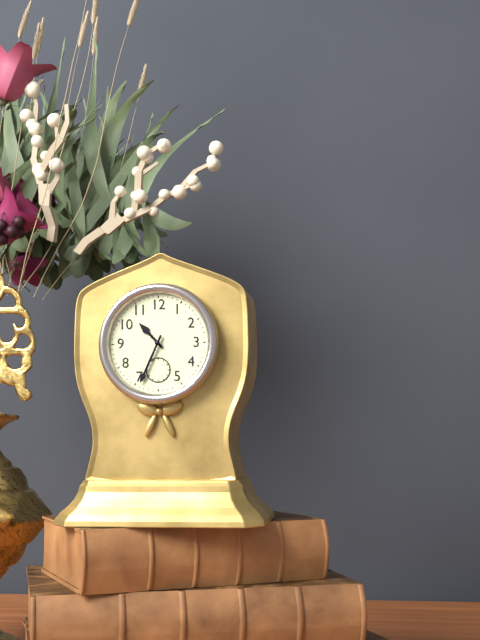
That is 10,34
